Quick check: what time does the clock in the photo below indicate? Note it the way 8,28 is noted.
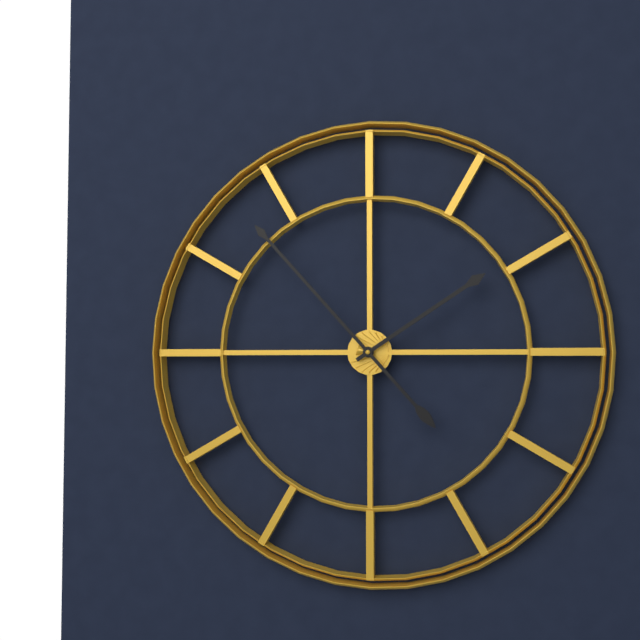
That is 1,53
